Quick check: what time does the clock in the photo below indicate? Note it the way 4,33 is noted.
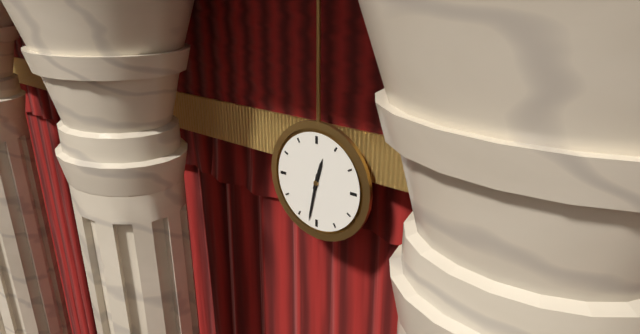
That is 12,32
